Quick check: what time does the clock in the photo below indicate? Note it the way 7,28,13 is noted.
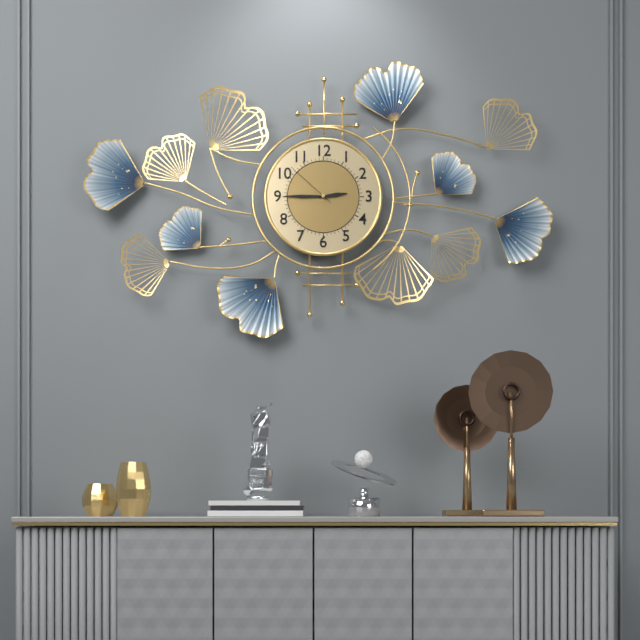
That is 2,45,52
